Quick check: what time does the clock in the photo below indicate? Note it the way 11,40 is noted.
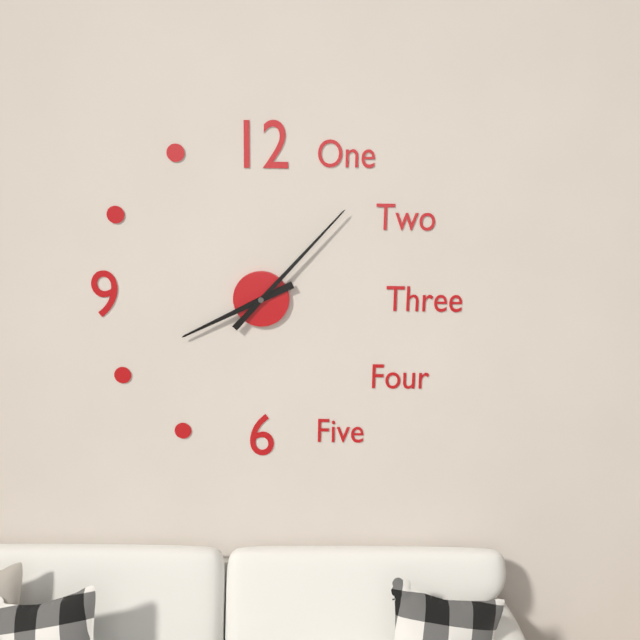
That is 8,07
